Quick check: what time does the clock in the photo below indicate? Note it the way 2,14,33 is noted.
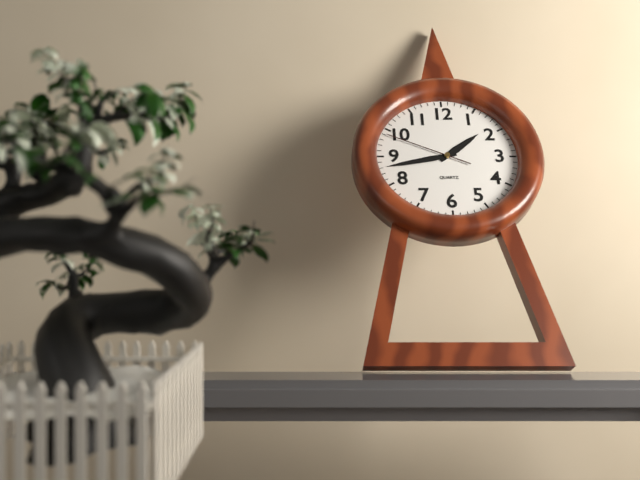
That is 1,43,49
